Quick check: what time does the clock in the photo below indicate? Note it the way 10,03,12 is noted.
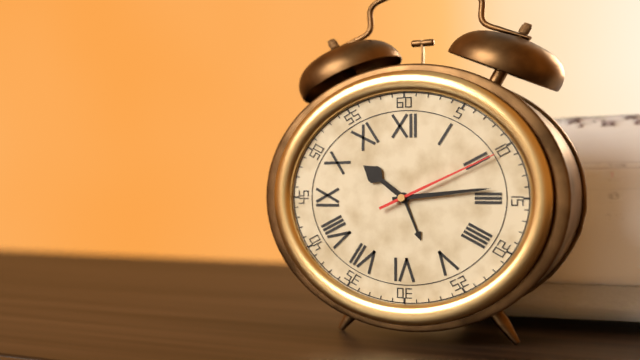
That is 10,14,11
